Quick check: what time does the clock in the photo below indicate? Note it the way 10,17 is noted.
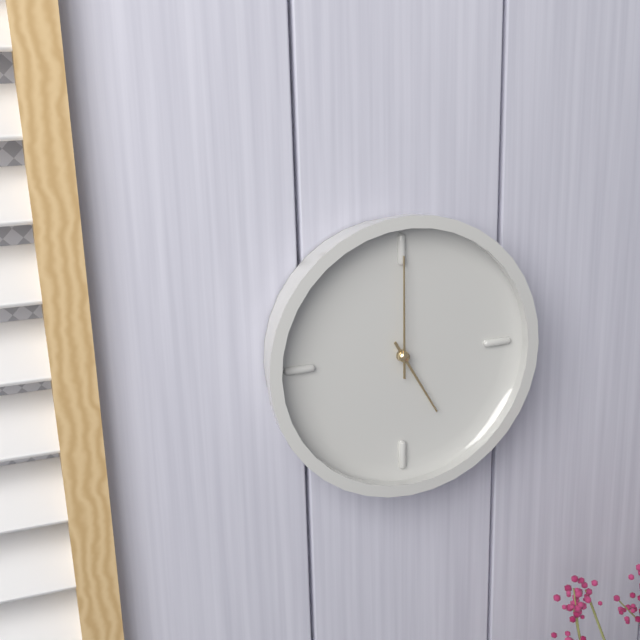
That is 5,00
